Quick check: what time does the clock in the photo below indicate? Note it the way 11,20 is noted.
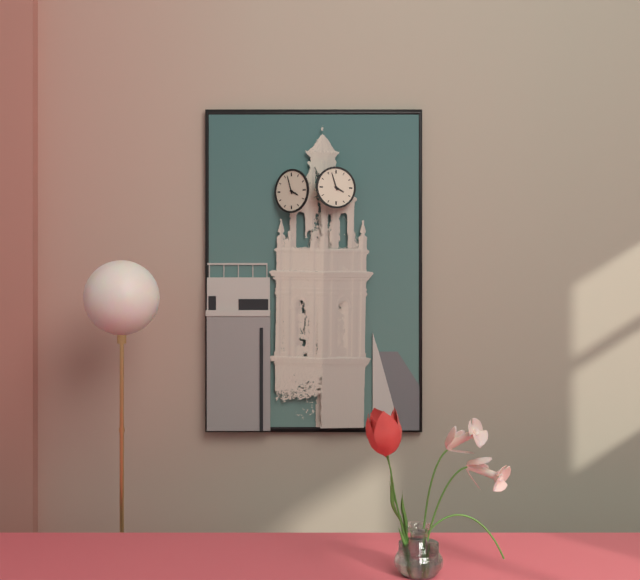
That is 3,57
